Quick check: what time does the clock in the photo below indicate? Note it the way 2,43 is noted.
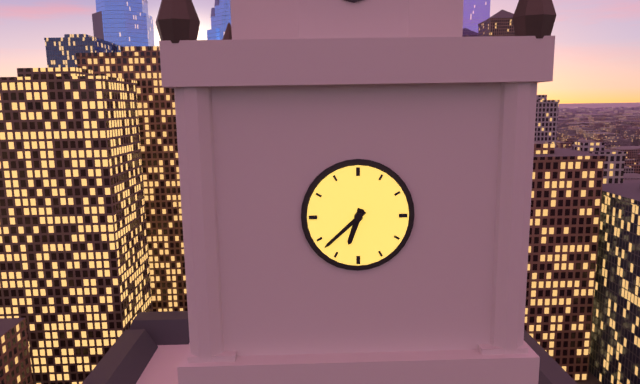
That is 6,38
